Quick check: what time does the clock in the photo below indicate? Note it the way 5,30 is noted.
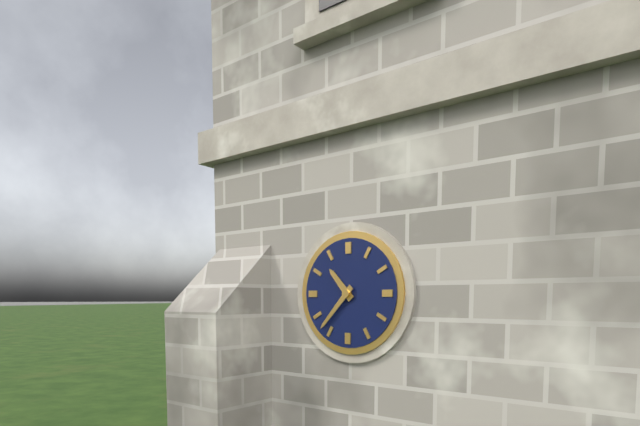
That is 10,37
